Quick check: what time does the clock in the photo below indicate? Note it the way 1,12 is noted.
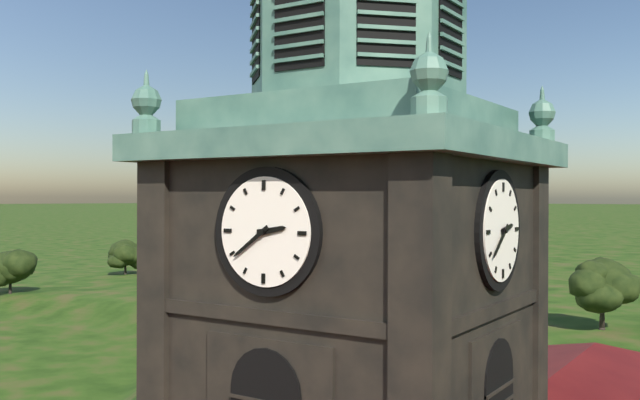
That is 2,39
